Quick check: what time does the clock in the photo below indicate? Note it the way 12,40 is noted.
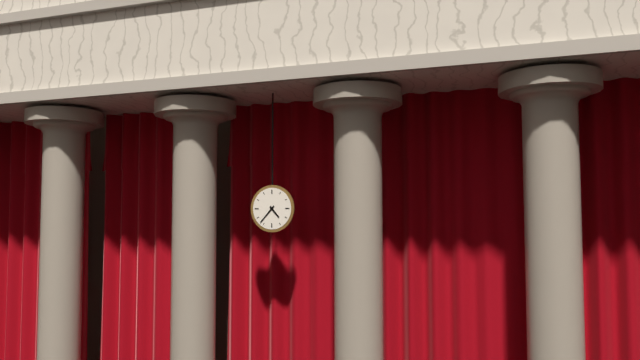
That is 4,37
